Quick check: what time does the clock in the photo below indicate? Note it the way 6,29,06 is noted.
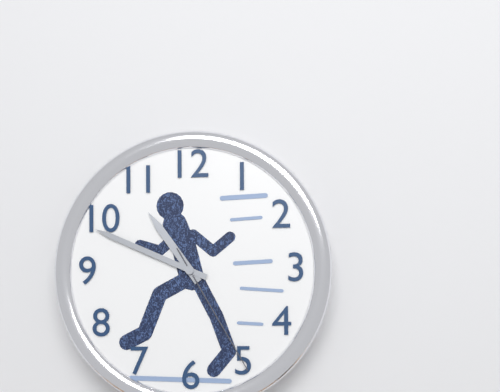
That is 10,49,25
